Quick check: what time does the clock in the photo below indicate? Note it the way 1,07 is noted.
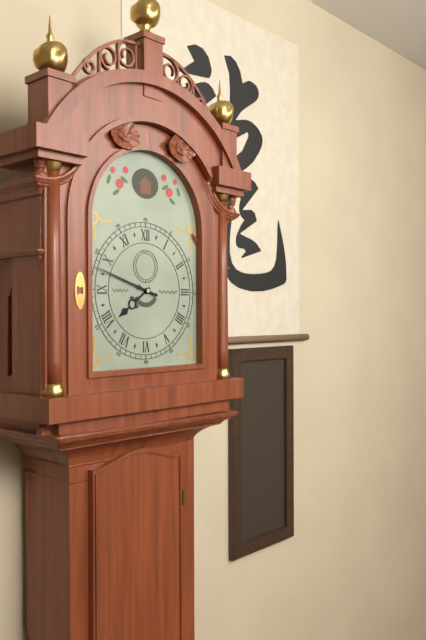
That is 7,48
